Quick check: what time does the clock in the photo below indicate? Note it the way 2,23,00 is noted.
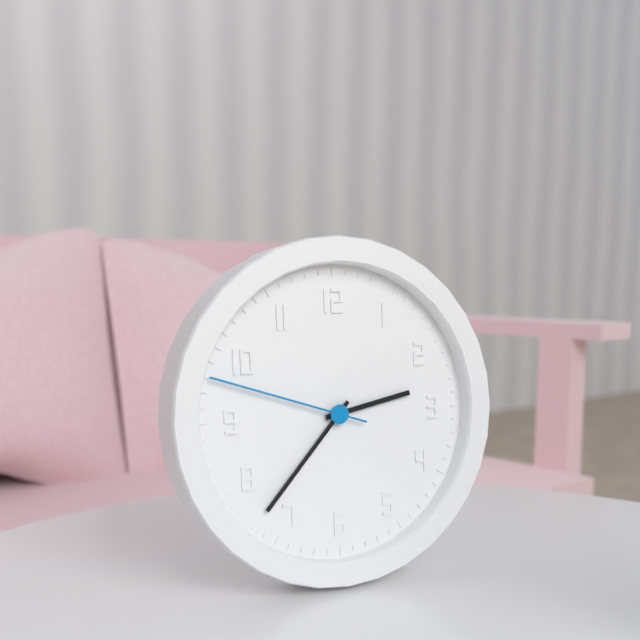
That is 2,37,48
